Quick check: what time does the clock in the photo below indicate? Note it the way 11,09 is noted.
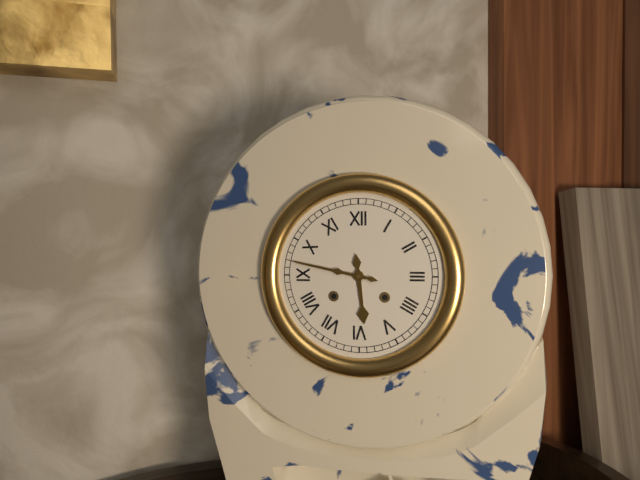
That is 5,47
